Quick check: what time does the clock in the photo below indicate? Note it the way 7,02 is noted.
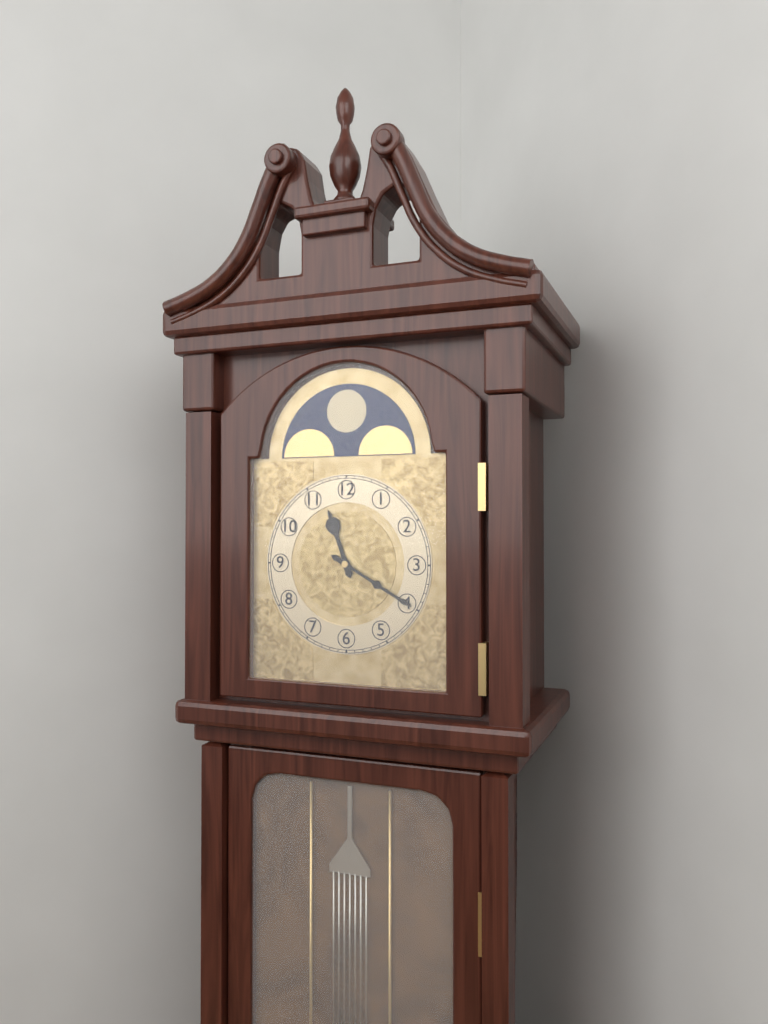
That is 11,20
